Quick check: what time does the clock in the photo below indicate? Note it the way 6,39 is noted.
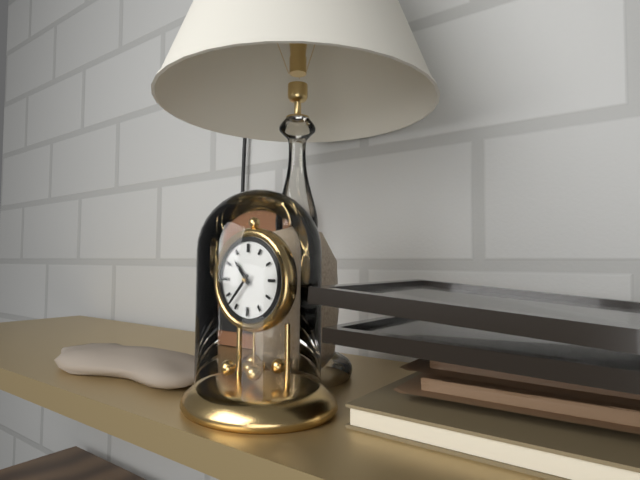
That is 10,37
